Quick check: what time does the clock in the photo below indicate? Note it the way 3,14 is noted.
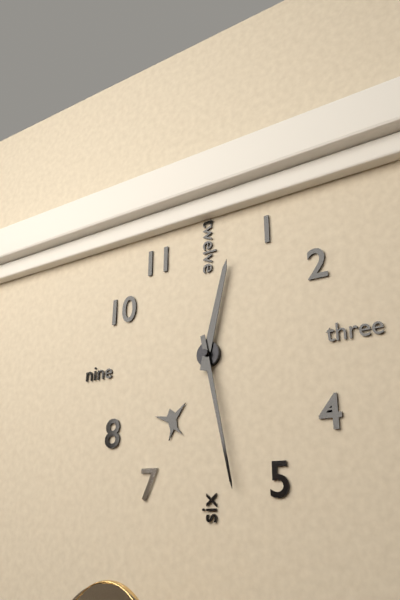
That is 12,28
